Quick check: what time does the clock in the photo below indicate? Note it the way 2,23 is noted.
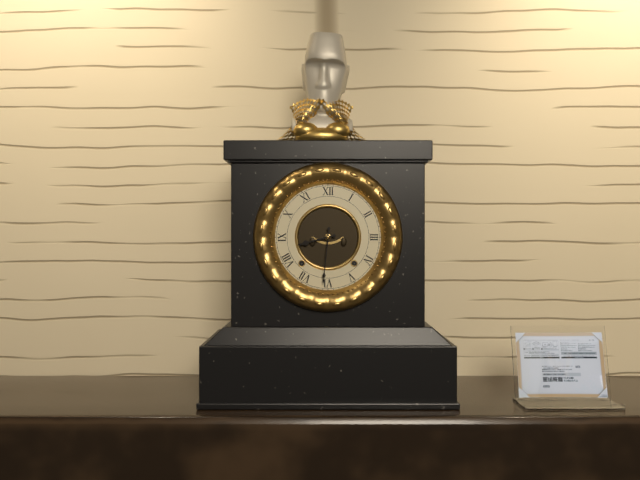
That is 8,31
